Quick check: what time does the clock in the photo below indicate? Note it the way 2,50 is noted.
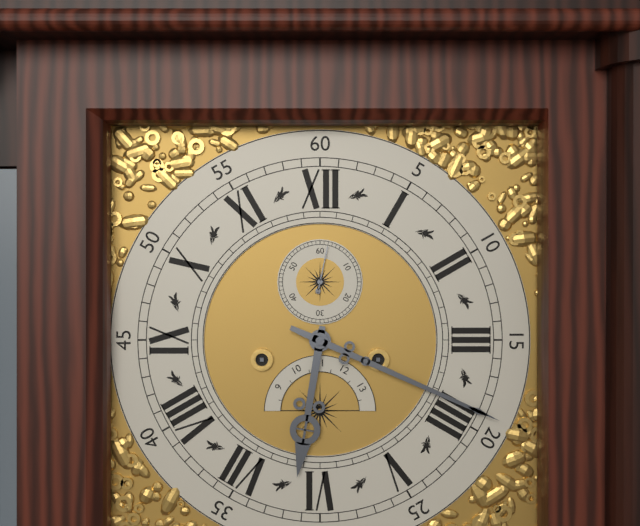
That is 6,19
